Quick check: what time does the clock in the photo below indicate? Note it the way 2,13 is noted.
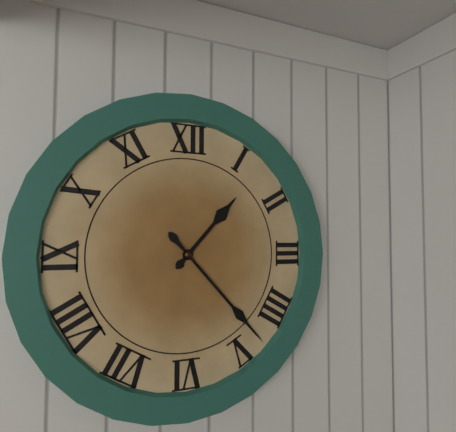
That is 1,23
